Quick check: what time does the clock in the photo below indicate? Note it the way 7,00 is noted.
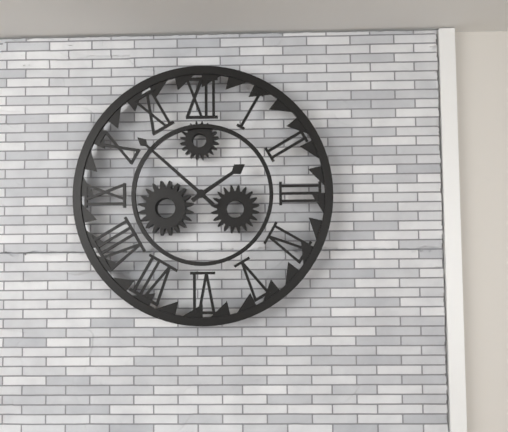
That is 1,52
